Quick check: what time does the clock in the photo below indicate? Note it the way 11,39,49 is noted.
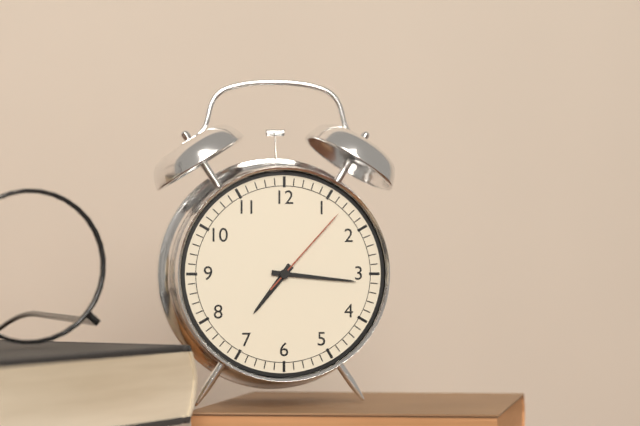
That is 7,16,07
